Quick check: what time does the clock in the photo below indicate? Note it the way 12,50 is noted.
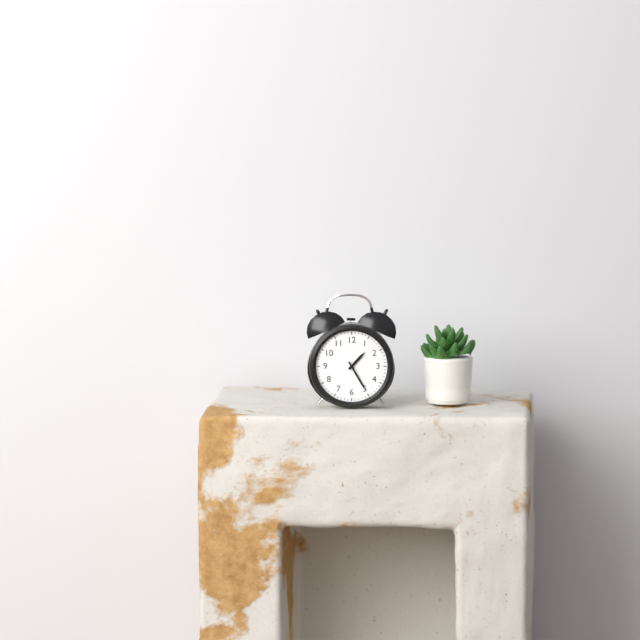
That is 1,25
